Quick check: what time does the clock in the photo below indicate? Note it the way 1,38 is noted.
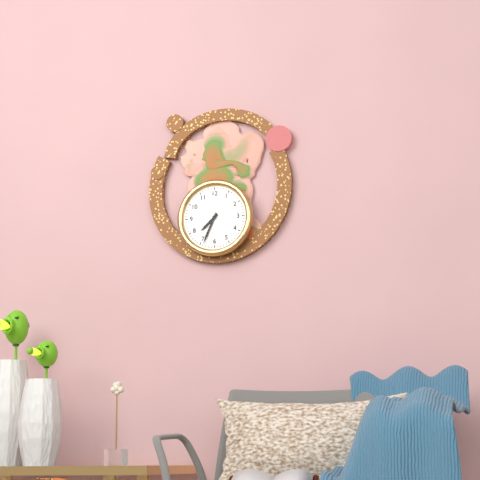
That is 7,34
